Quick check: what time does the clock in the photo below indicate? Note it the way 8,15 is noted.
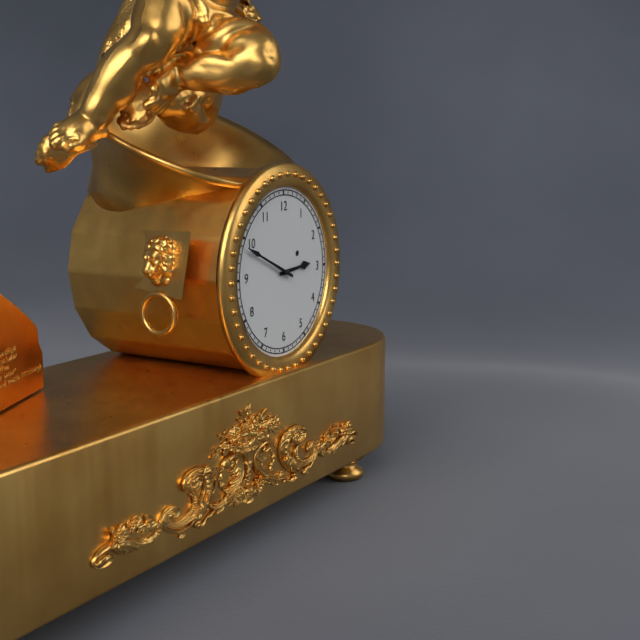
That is 2,49
